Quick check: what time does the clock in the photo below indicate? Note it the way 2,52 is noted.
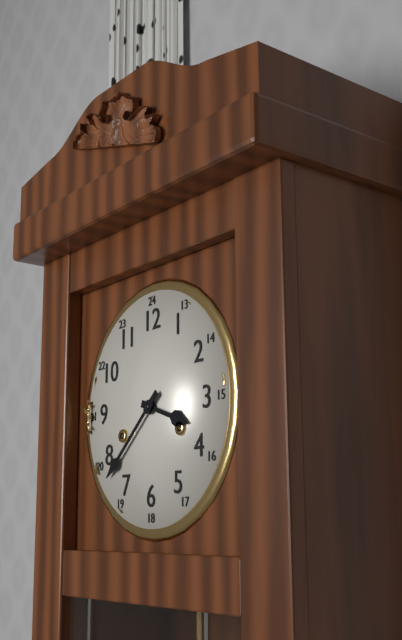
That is 3,38
